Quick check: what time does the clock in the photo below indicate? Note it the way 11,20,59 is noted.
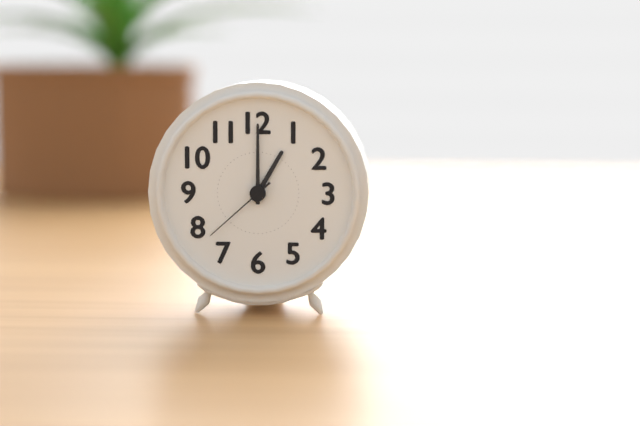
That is 1,00,38
